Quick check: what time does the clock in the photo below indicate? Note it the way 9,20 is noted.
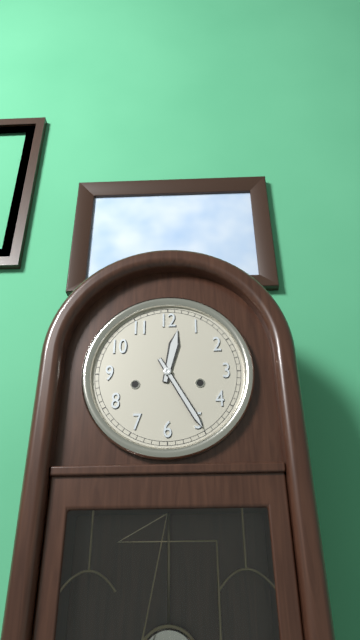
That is 12,25
